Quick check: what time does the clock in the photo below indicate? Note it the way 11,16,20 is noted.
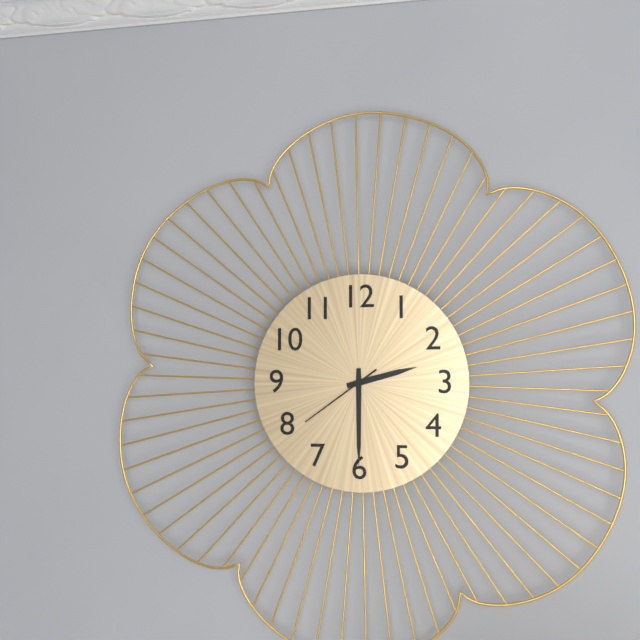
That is 2,30,39
